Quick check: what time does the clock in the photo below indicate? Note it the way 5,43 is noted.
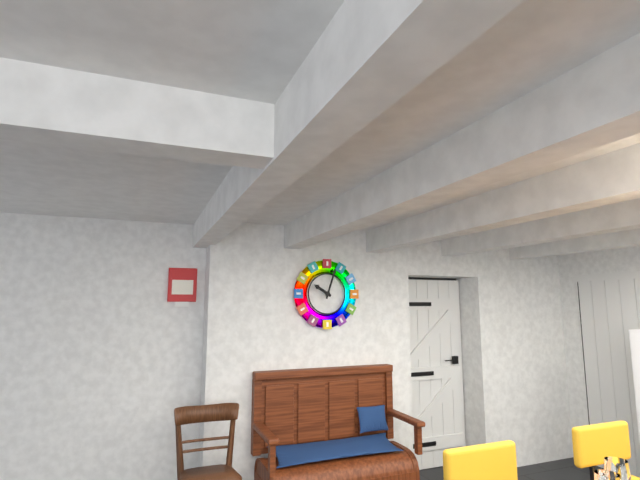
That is 10,03
